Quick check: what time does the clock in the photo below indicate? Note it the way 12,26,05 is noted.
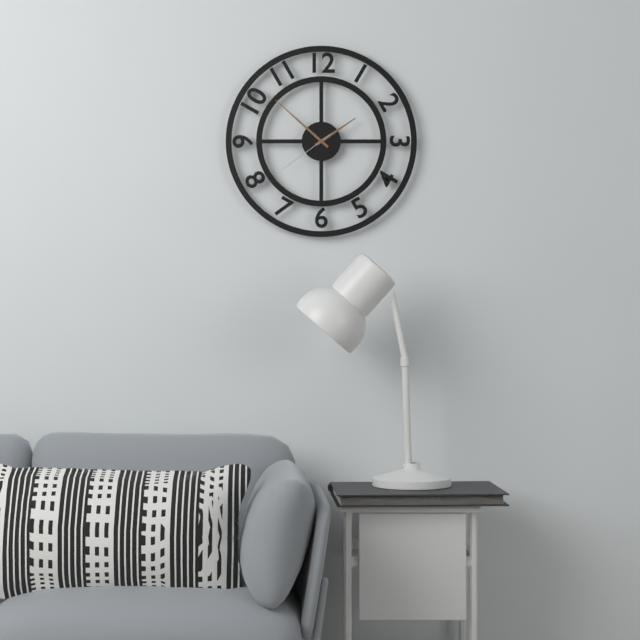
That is 1,52,39
